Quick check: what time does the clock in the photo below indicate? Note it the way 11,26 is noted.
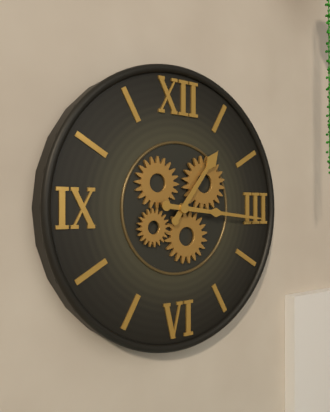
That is 1,16
